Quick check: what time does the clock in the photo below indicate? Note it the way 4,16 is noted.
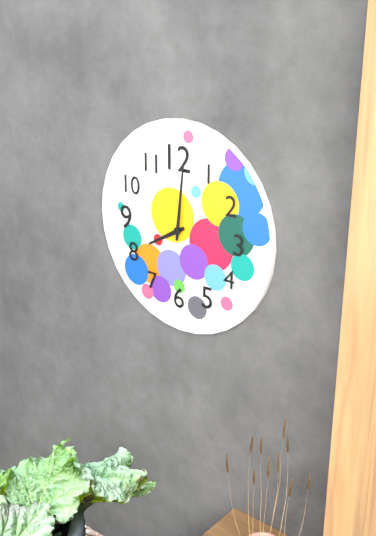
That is 8,01
